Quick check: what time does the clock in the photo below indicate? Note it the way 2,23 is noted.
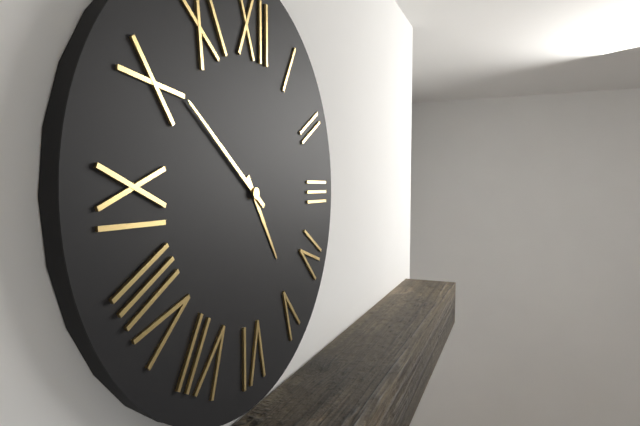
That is 4,51
